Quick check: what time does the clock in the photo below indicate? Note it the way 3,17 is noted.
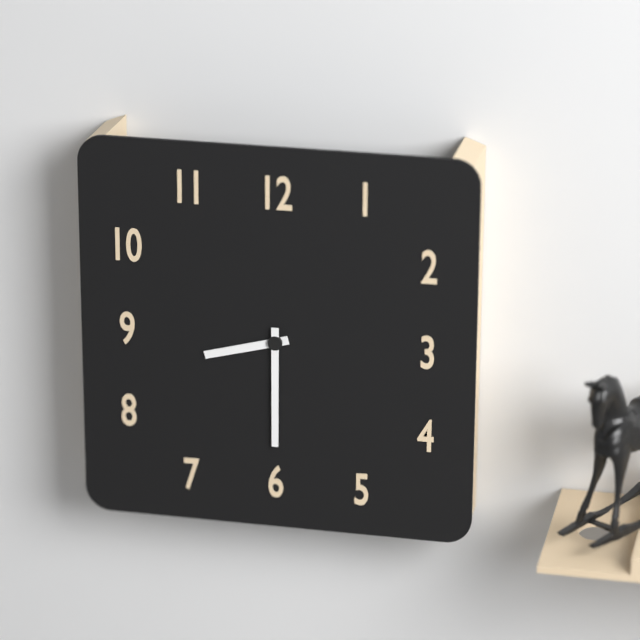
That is 8,30
